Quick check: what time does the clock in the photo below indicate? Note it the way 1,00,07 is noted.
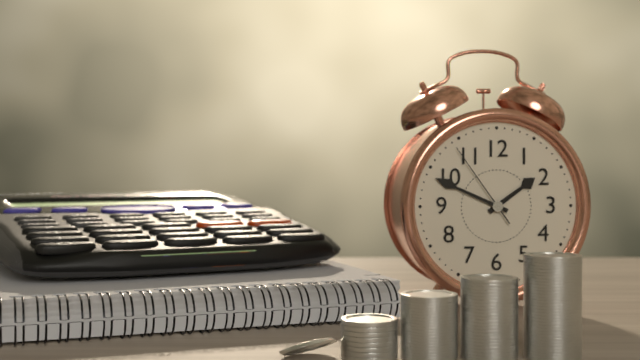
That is 1,49,54
